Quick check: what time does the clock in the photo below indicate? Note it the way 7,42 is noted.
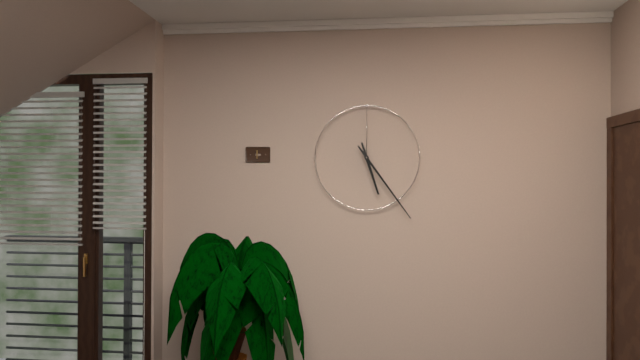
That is 5,24
